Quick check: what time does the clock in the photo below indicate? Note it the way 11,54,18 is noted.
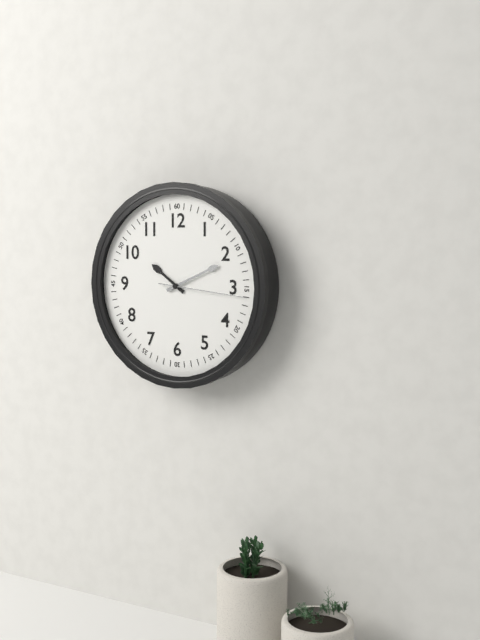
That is 10,11,16
